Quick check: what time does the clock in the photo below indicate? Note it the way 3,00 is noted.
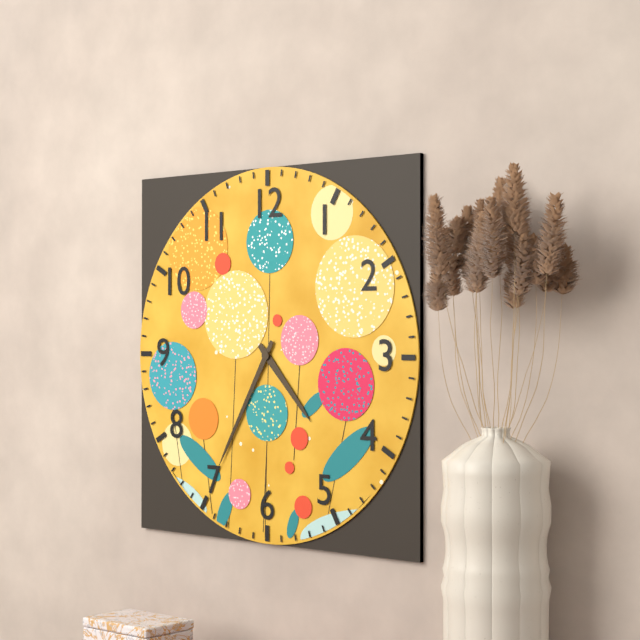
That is 4,35
